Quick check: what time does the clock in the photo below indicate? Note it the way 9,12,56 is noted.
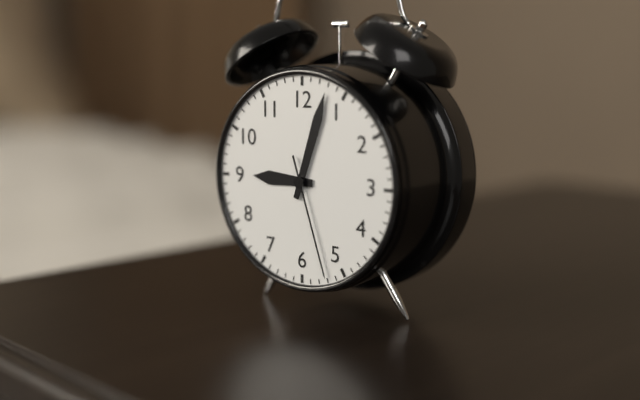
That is 9,03,27
